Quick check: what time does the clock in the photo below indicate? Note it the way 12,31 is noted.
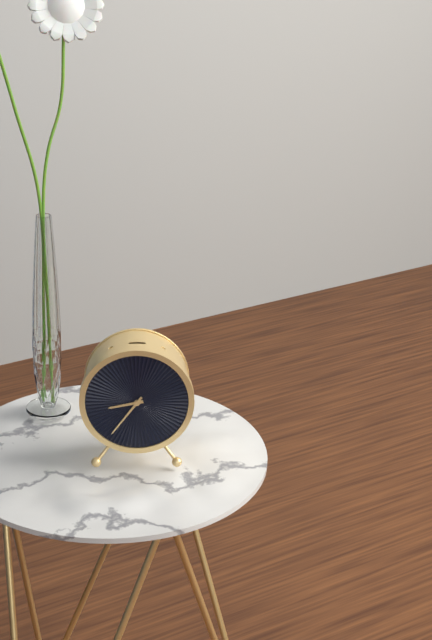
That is 8,36
